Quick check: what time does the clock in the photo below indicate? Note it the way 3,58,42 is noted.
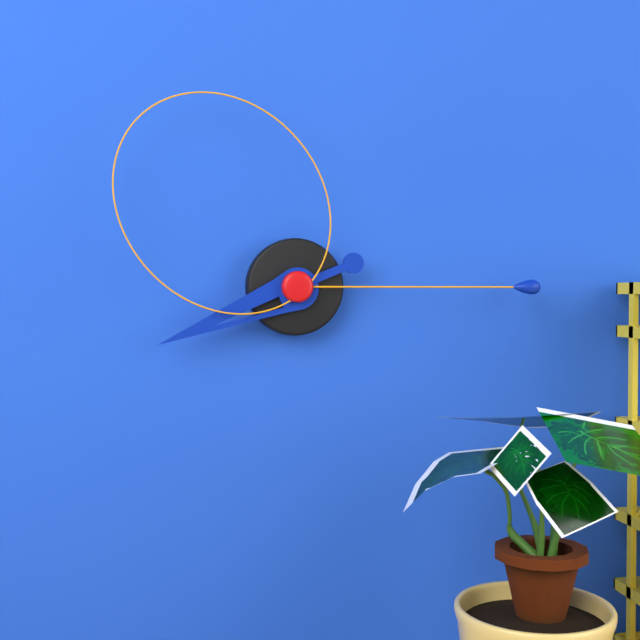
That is 8,15,53
